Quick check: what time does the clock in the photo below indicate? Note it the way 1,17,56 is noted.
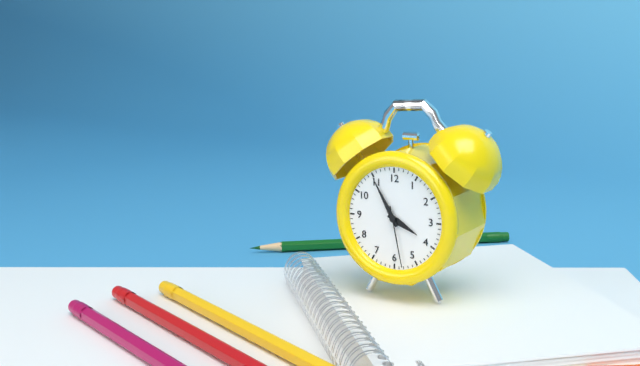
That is 3,55,28
